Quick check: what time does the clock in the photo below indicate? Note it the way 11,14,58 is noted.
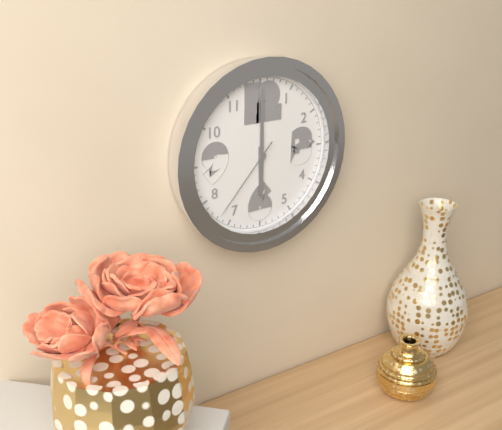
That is 6,00,37
